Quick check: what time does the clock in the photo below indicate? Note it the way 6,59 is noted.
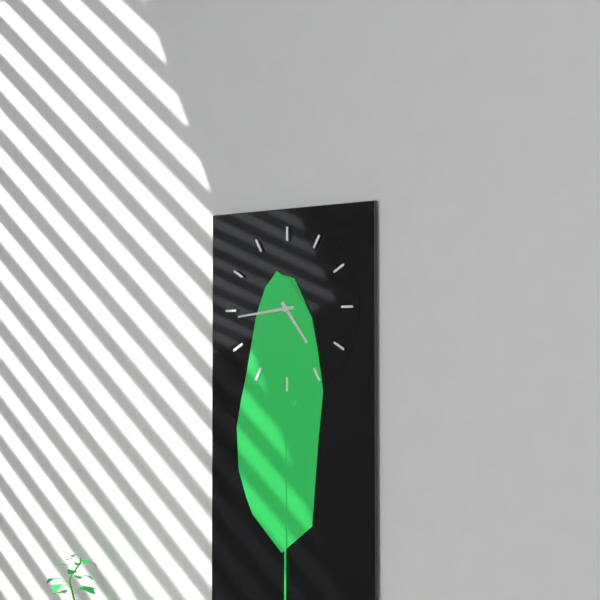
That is 4,44
